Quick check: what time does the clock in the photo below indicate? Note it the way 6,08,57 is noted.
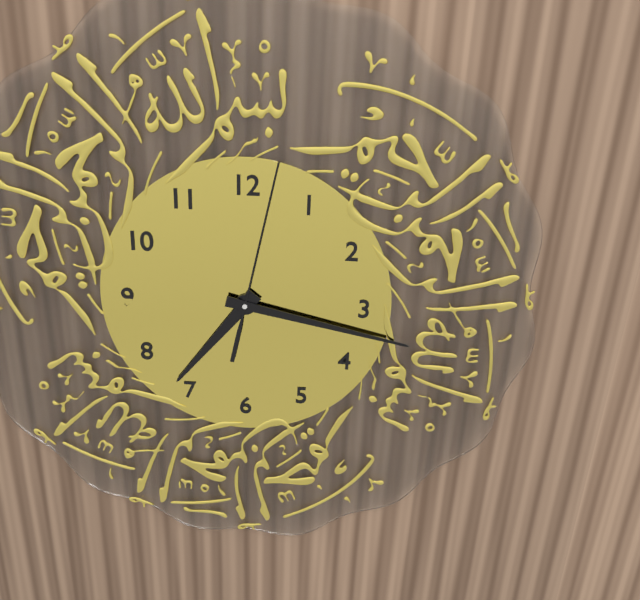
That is 7,17,02
